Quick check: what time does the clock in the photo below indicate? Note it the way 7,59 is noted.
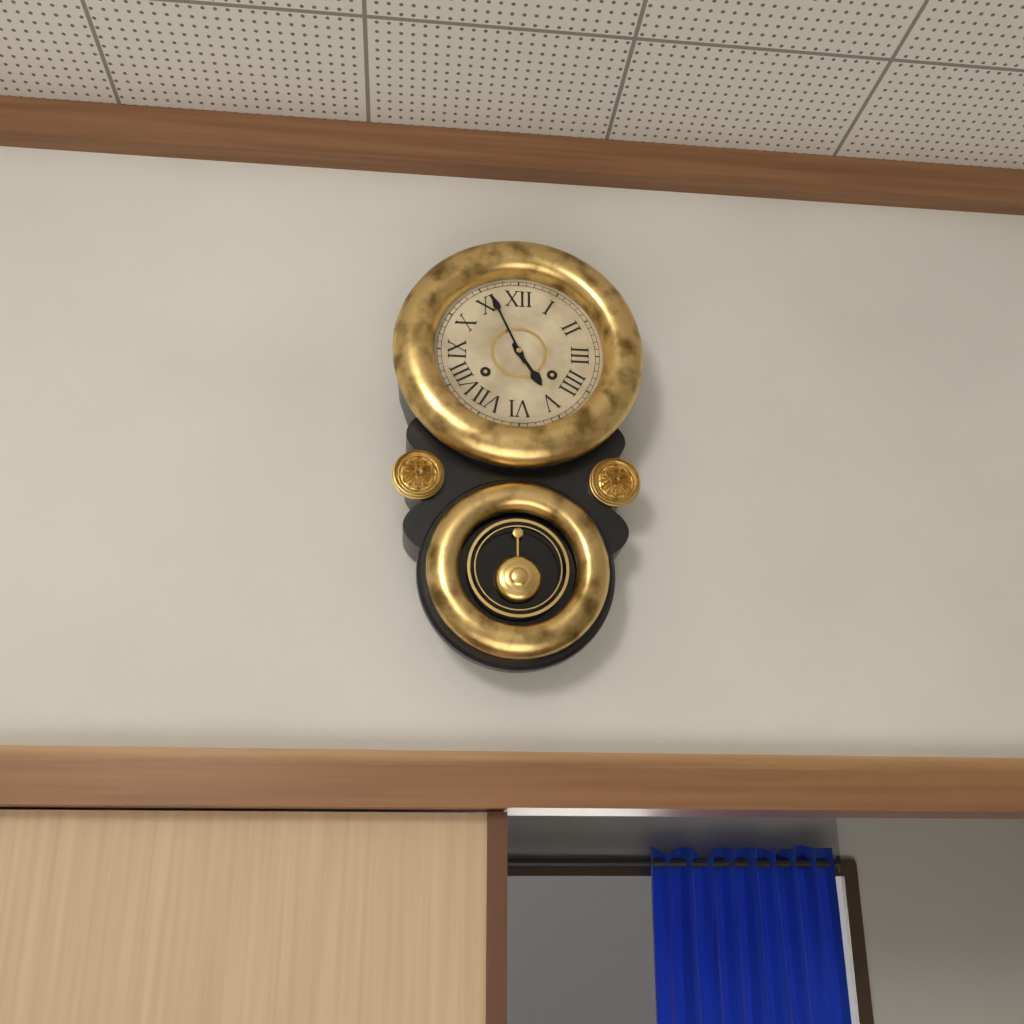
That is 4,56
